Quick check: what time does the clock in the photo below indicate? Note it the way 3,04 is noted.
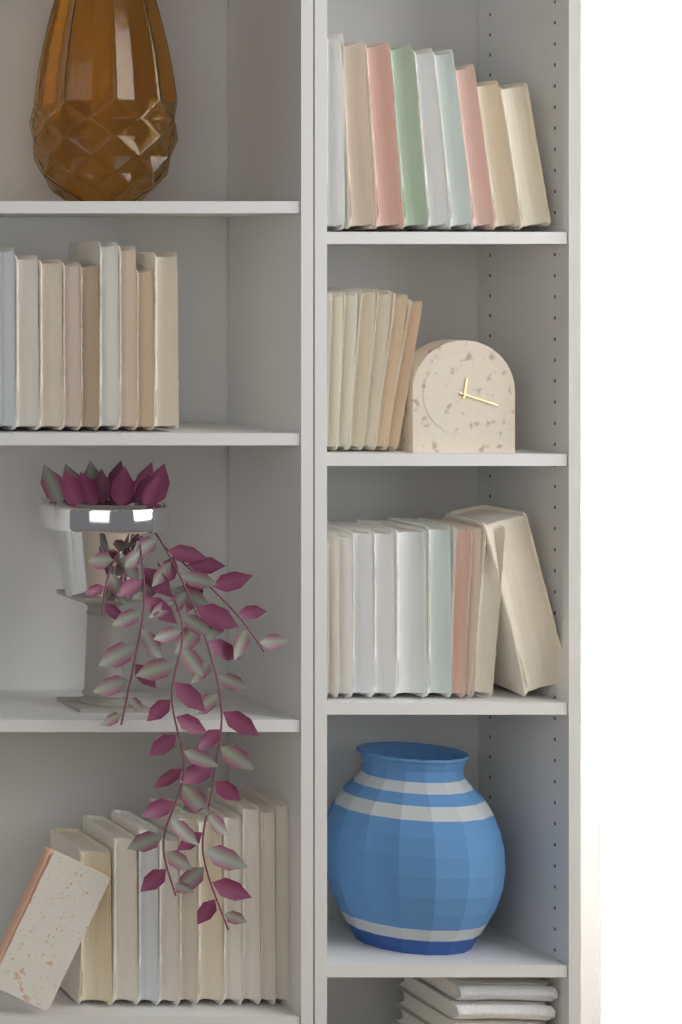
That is 12,18
